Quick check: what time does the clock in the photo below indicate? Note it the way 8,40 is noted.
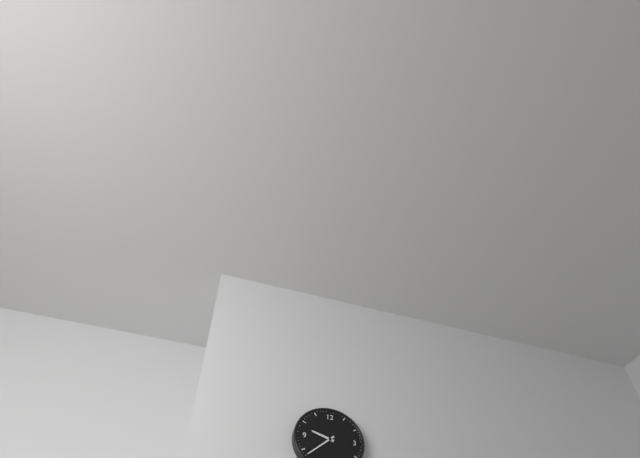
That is 9,38
